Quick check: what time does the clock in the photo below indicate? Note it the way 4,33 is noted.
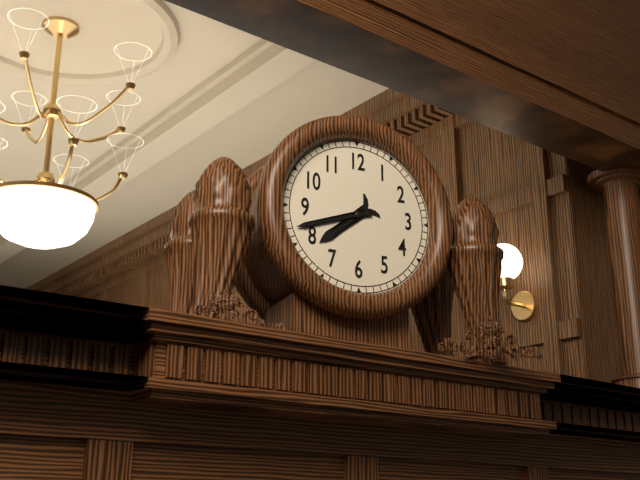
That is 7,42
